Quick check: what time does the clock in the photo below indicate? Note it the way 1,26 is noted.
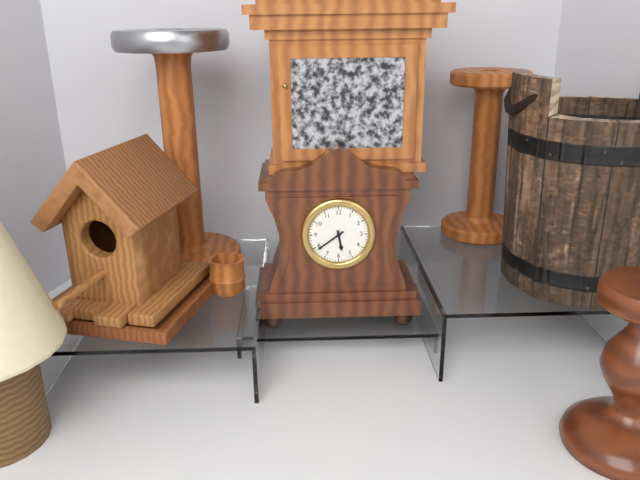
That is 5,39
